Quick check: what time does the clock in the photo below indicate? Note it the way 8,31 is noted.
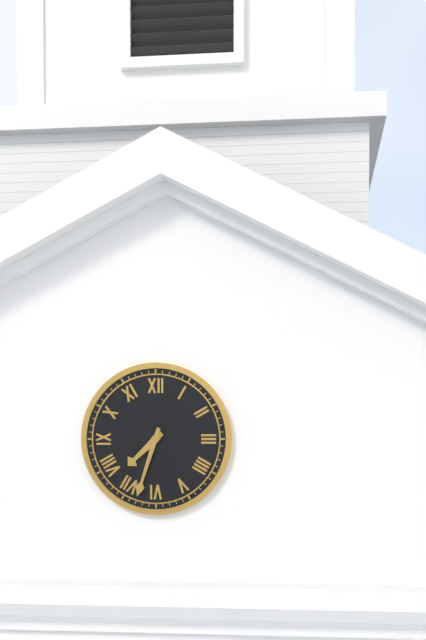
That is 7,33
